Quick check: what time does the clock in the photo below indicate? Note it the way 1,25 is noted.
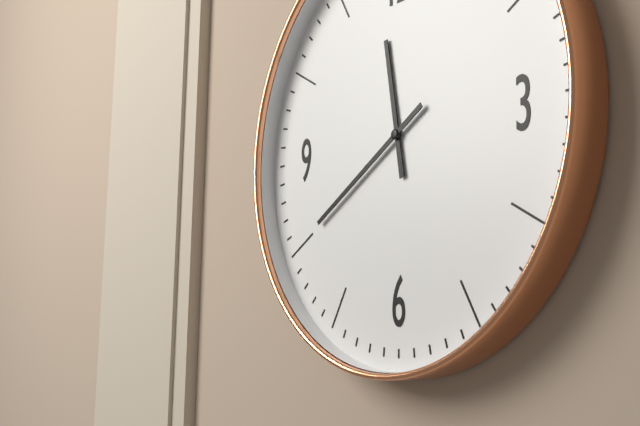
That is 11,40
